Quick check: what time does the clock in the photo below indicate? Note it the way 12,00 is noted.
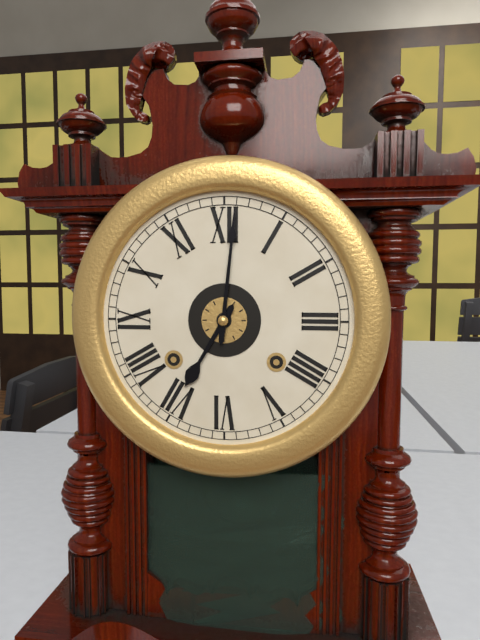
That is 7,01
